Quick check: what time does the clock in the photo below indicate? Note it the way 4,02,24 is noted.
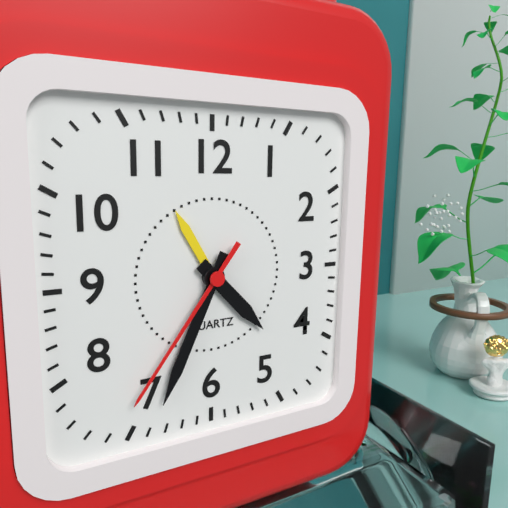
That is 4,34,36
